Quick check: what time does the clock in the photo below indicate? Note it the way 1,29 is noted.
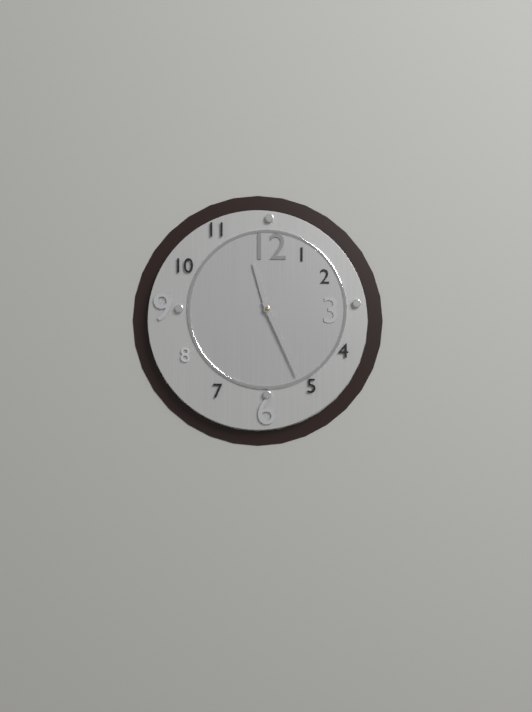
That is 11,26
